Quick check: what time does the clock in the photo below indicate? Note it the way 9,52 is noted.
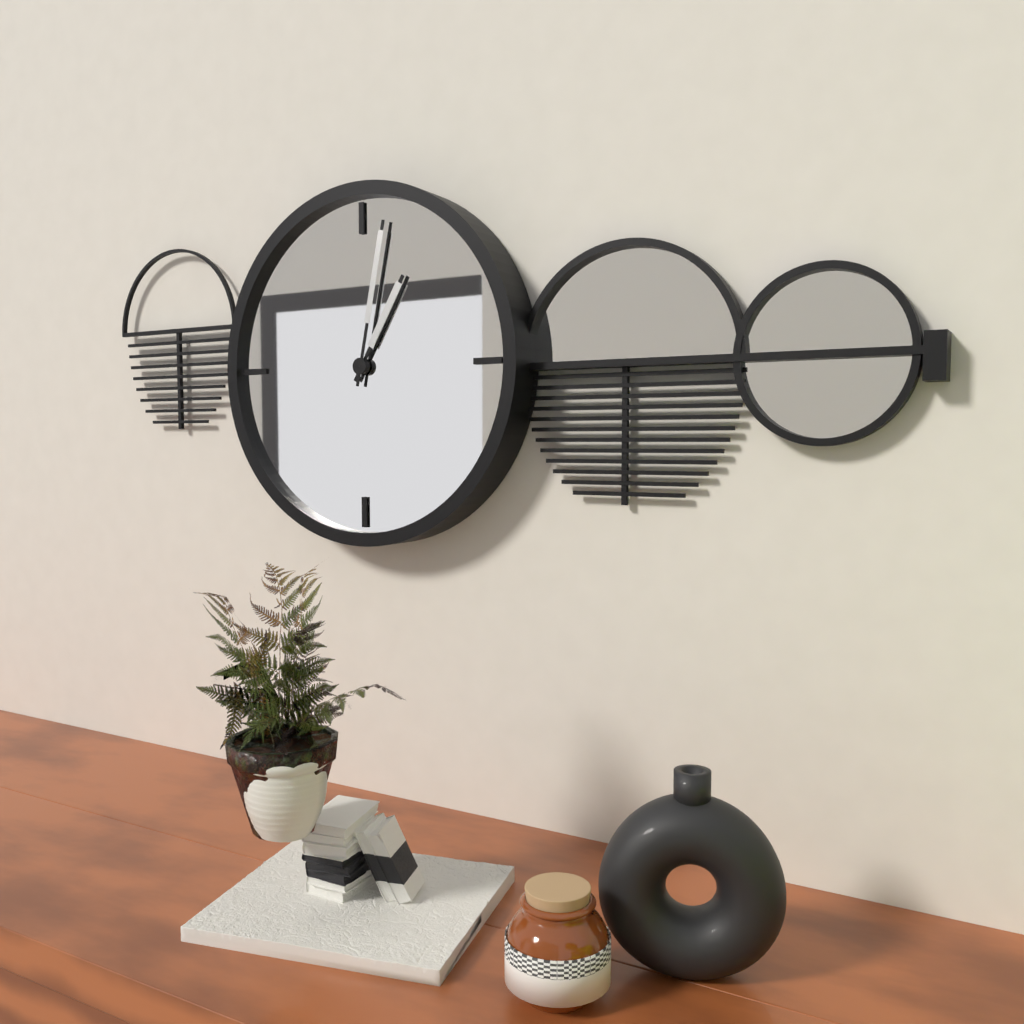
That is 1,02
